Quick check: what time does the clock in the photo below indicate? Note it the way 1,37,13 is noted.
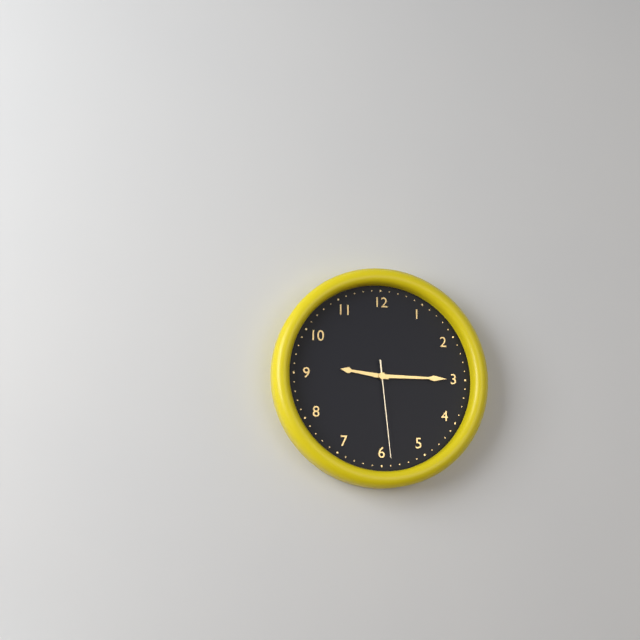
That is 9,15,29
